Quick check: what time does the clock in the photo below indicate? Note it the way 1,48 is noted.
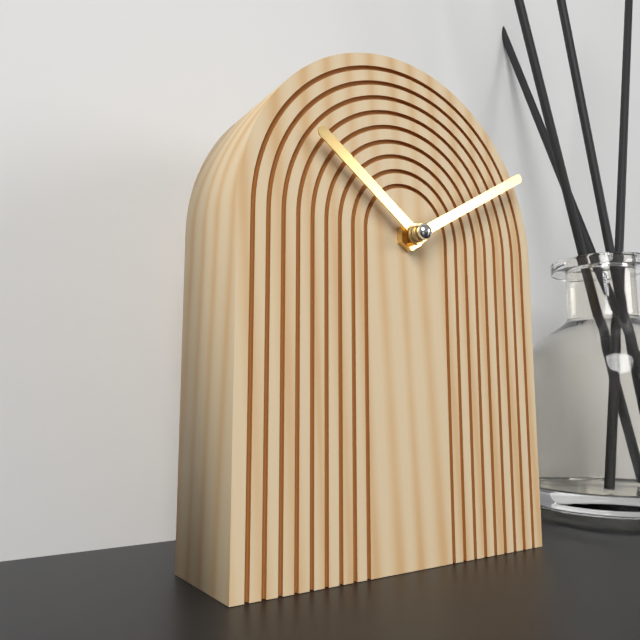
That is 10,10
